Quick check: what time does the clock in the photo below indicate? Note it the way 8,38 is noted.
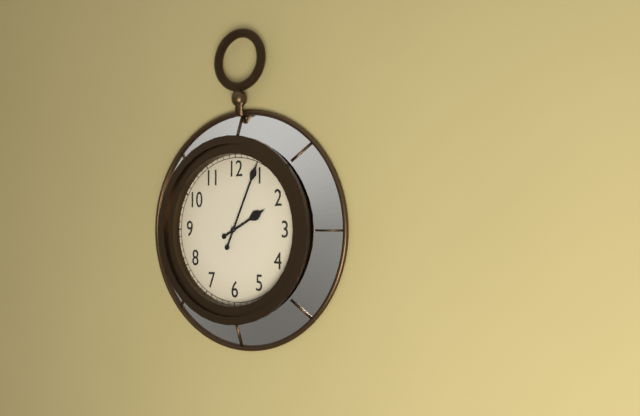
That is 2,04
